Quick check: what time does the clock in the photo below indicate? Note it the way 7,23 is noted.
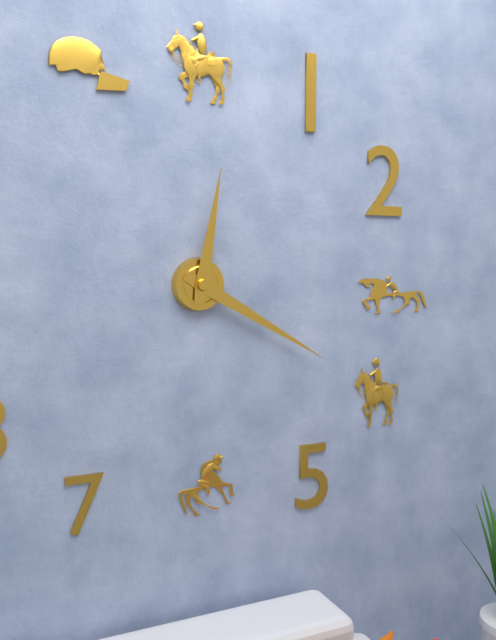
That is 12,20
